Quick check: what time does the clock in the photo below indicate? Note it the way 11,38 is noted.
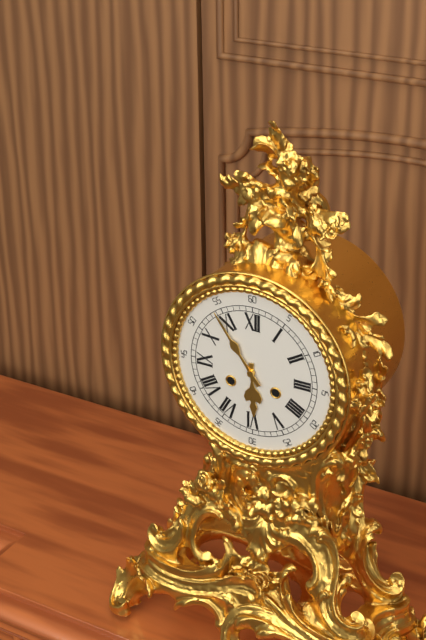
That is 5,54
